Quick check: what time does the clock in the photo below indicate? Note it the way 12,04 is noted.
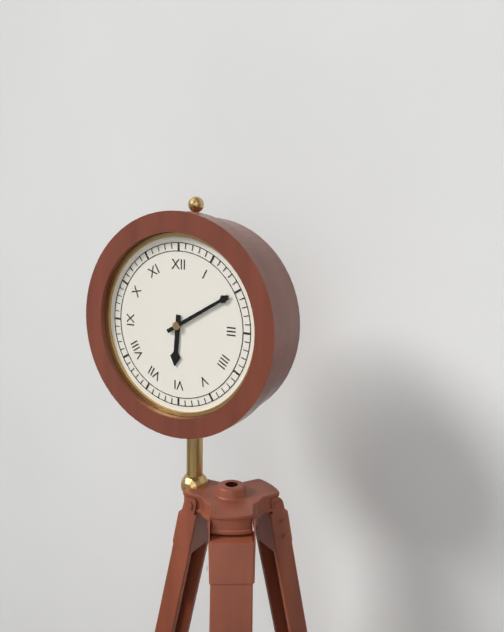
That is 6,10
